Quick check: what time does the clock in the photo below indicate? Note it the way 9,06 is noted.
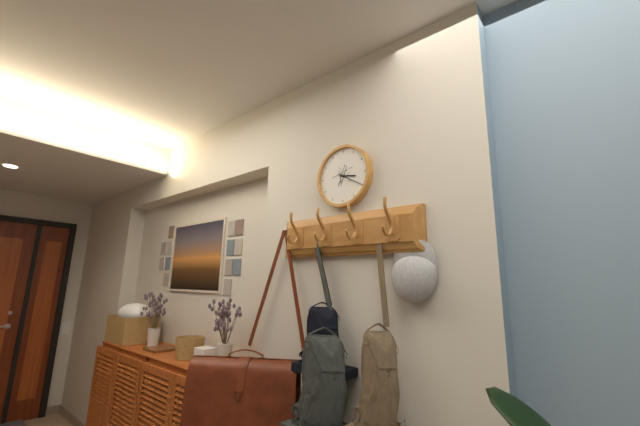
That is 3,20
